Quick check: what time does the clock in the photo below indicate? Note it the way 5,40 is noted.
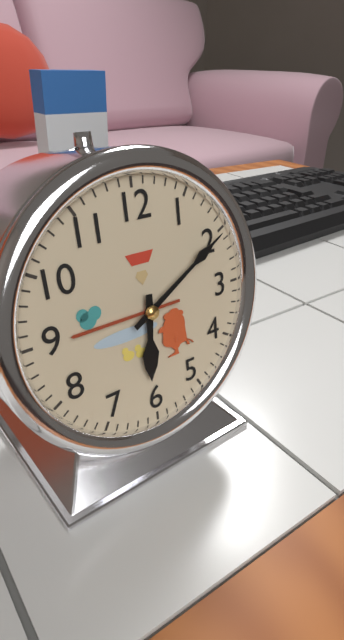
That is 6,10
